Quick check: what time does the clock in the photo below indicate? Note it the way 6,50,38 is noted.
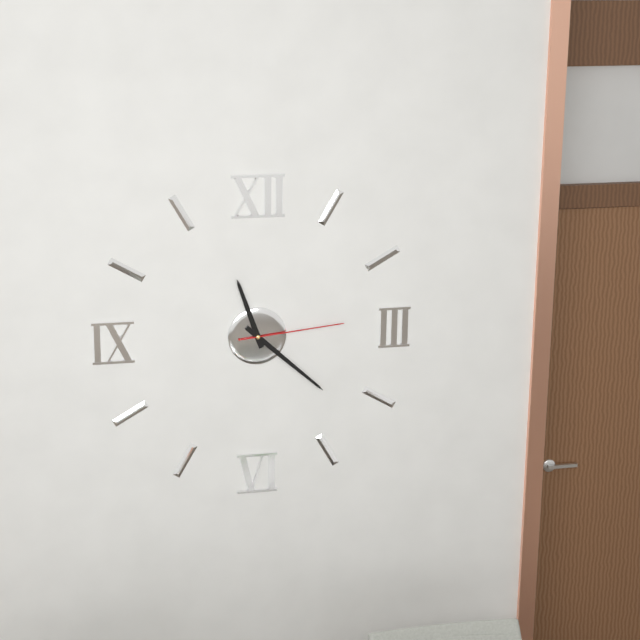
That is 11,22,14
